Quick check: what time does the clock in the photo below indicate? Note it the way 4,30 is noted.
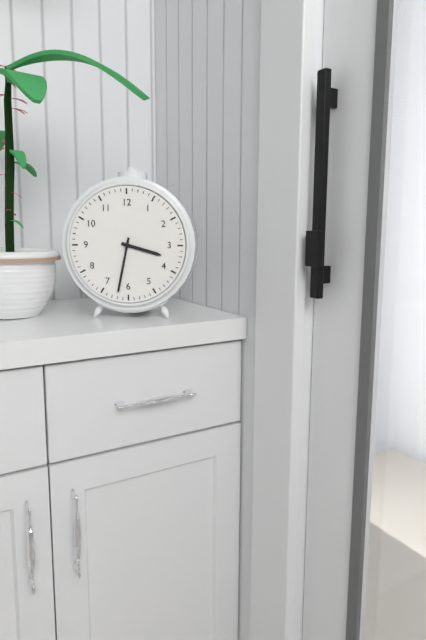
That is 3,32
